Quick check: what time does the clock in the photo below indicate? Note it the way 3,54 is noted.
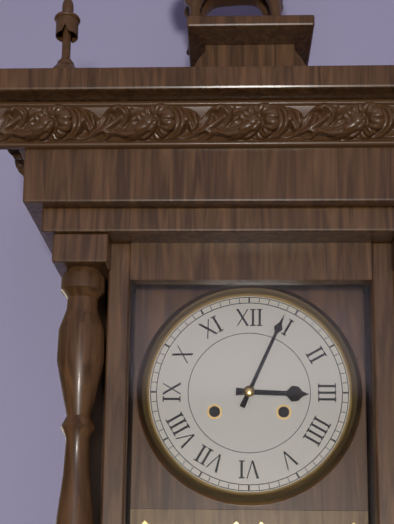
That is 3,04
